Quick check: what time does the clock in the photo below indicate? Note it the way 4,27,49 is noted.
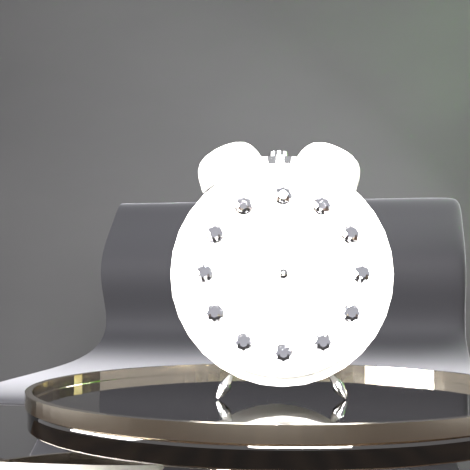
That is 2,25,00
